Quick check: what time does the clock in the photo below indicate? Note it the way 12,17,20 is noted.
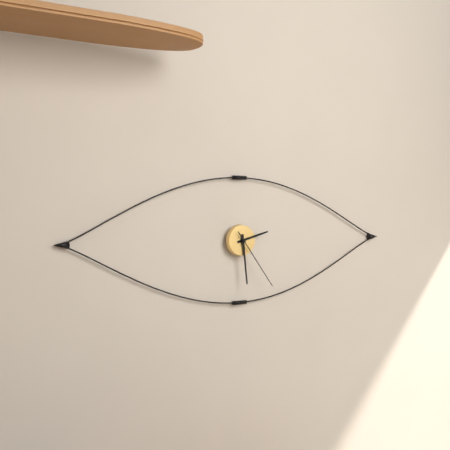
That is 2,29,24
